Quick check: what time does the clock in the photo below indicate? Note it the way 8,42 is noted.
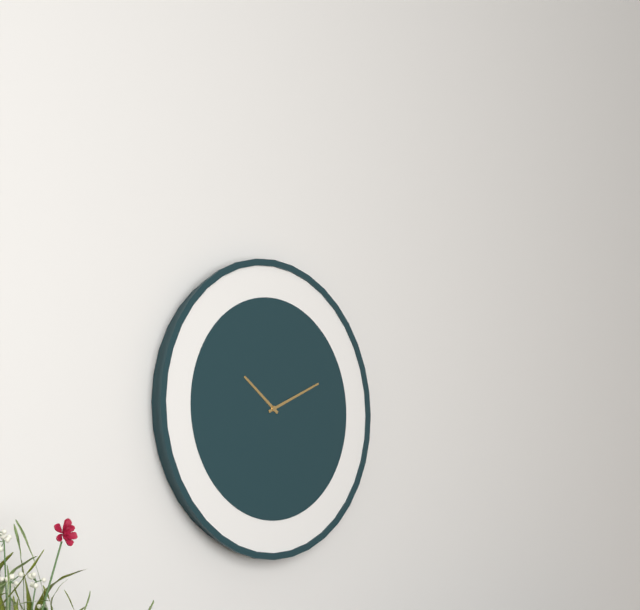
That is 10,11
